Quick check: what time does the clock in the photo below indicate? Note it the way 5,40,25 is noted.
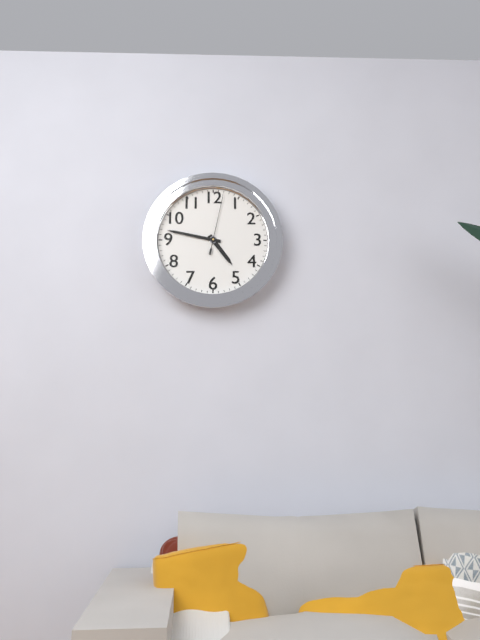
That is 4,47,02
